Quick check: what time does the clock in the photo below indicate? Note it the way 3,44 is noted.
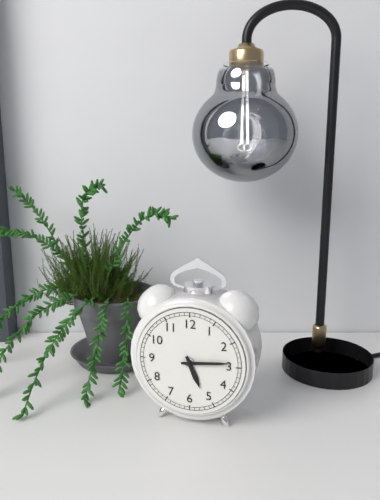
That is 5,14
